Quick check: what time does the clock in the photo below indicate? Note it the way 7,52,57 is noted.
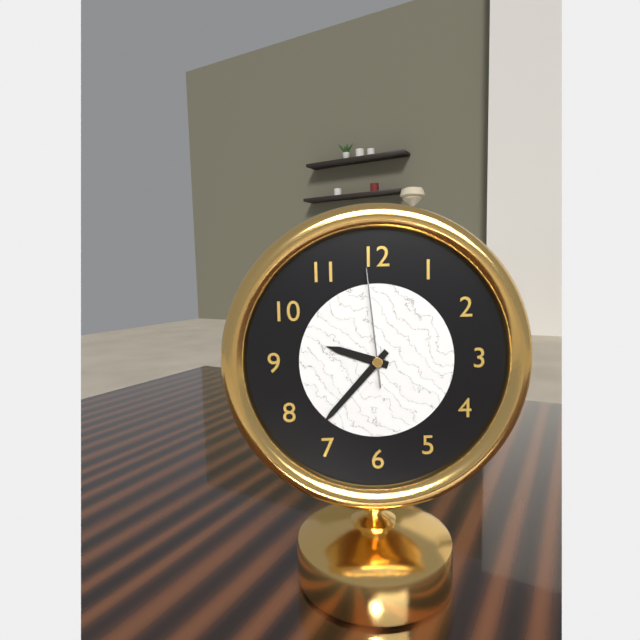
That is 9,37,59
